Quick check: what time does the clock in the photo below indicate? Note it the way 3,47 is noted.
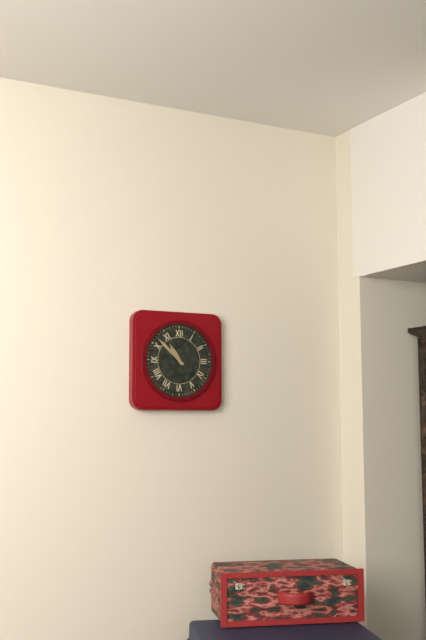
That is 10,52
